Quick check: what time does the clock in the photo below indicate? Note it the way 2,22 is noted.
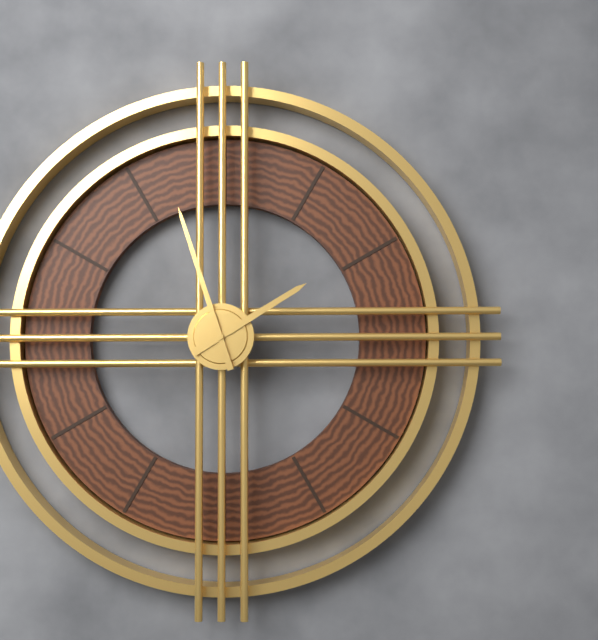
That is 1,57
